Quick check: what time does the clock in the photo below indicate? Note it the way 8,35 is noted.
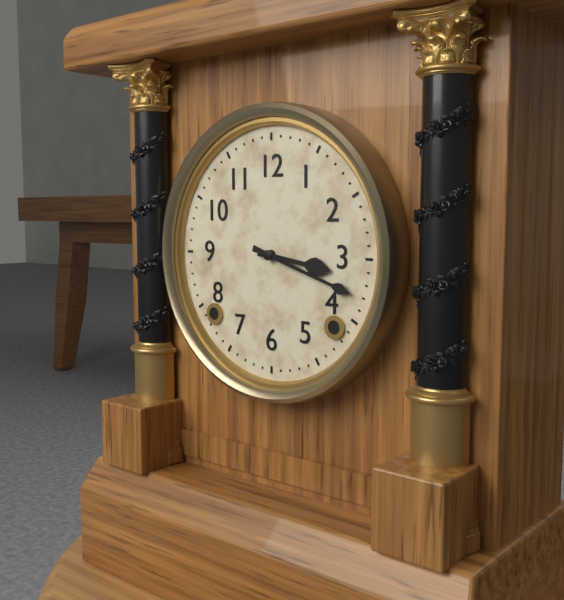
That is 3,18
